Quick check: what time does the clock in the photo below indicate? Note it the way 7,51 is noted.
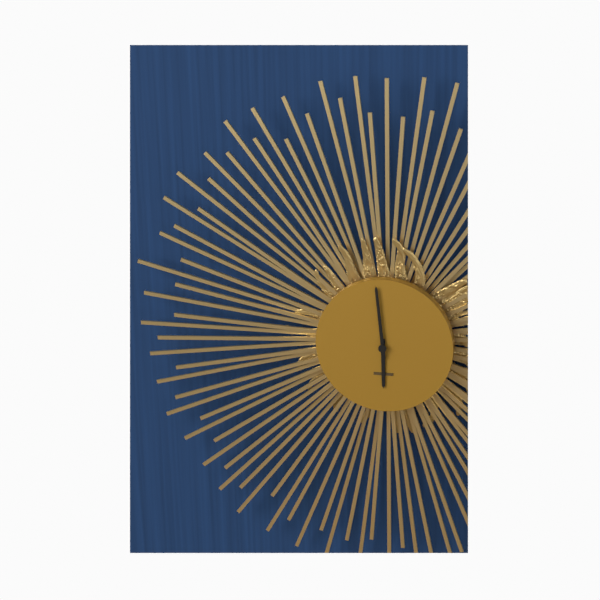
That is 5,59
